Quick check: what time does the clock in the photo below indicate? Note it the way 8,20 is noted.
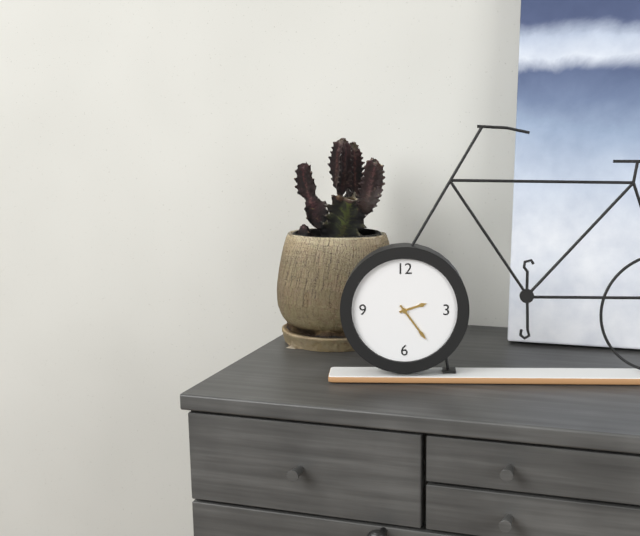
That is 2,24
